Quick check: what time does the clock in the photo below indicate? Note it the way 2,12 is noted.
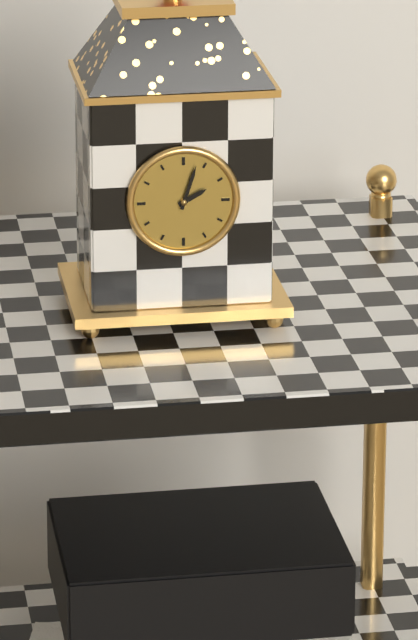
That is 2,03
